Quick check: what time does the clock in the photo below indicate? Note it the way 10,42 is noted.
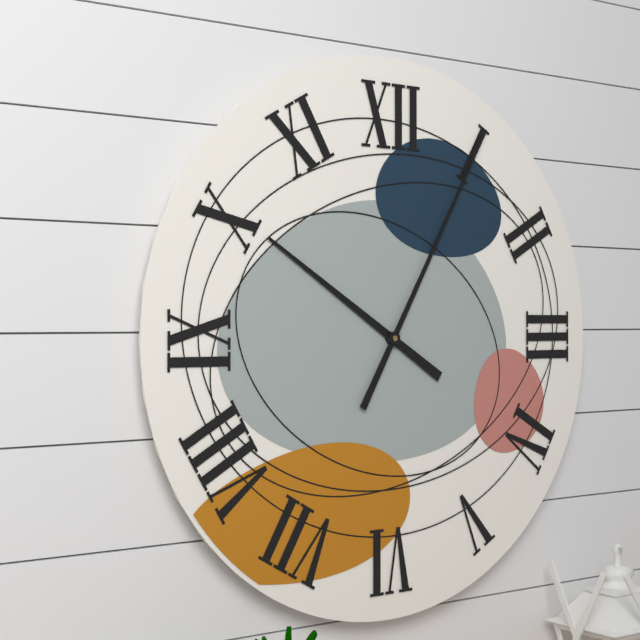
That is 10,05
